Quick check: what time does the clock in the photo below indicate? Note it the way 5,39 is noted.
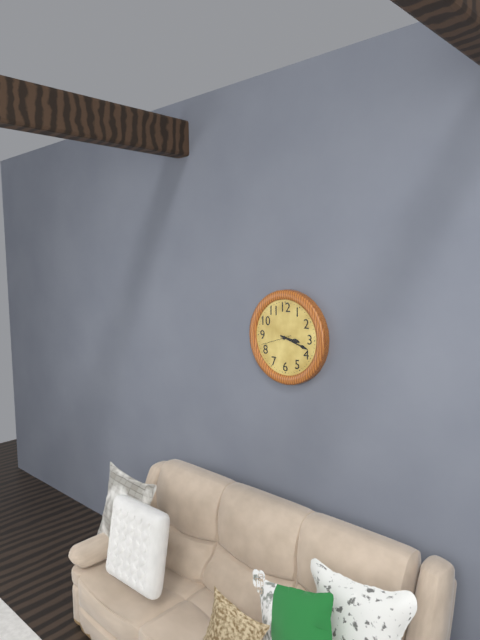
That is 3,18
